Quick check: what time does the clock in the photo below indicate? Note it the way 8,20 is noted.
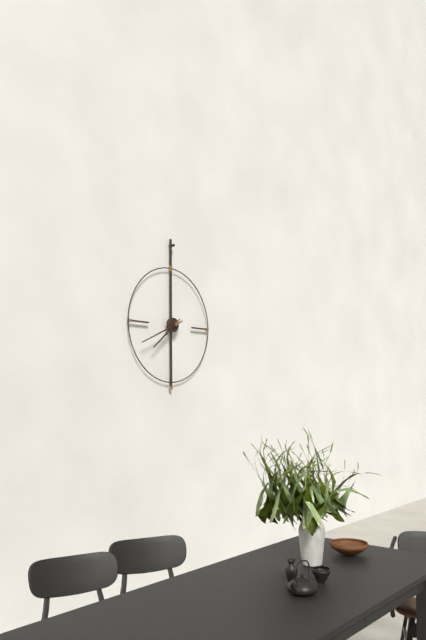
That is 7,41
